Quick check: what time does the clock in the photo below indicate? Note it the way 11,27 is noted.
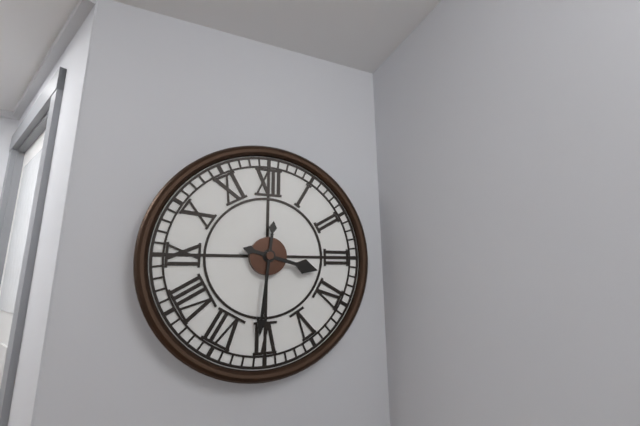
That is 3,31
